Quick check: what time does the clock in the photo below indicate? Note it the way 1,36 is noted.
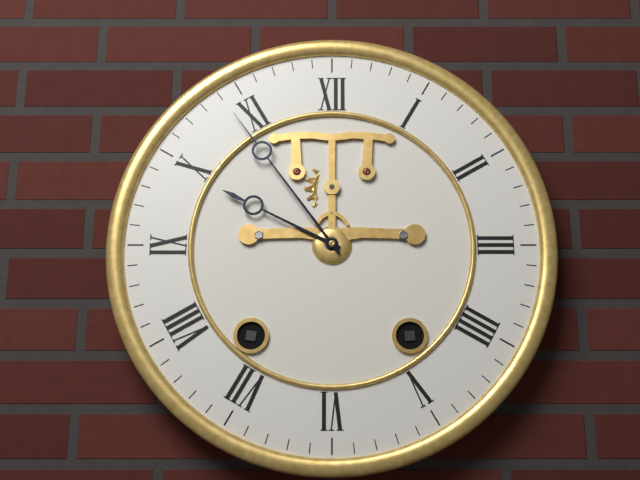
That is 9,54
